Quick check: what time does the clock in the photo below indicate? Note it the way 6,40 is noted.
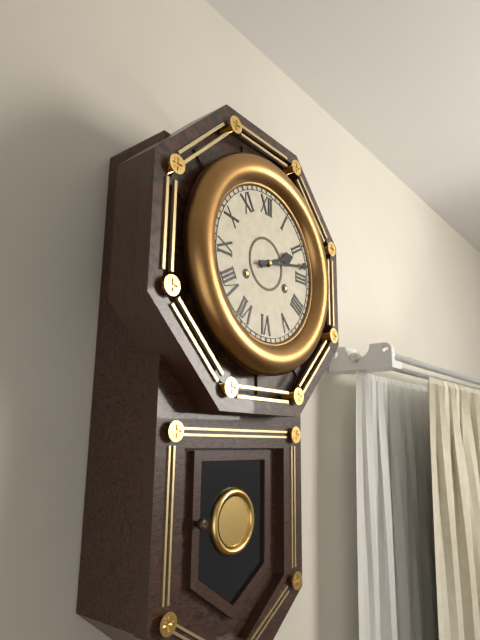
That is 2,13
